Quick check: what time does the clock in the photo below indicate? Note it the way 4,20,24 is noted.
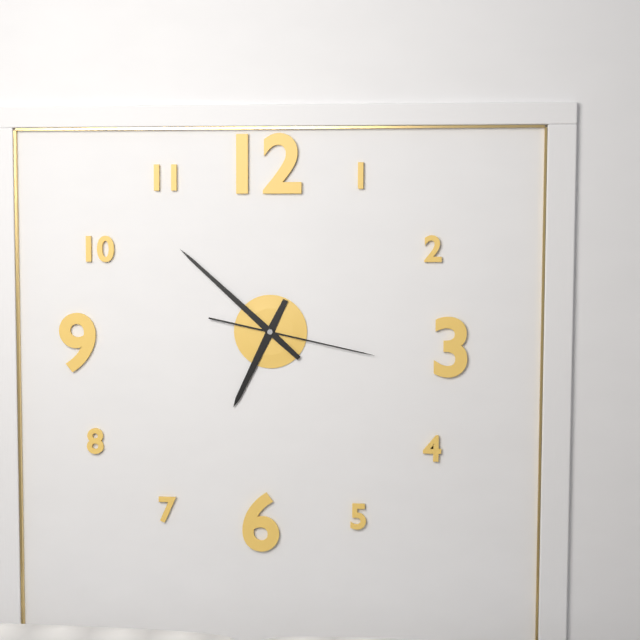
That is 6,52,17
